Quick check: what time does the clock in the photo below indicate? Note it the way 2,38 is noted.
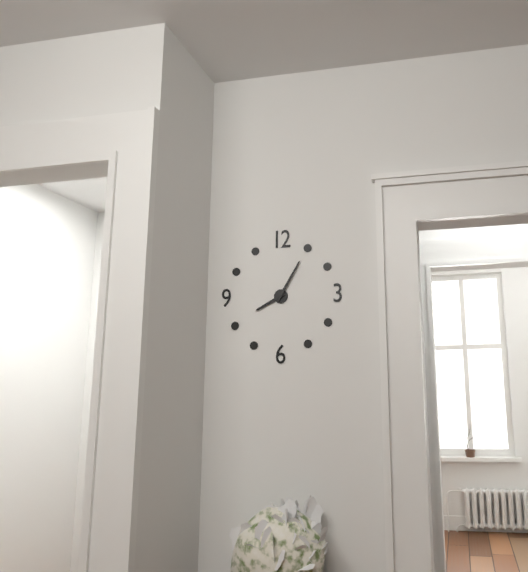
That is 8,05
